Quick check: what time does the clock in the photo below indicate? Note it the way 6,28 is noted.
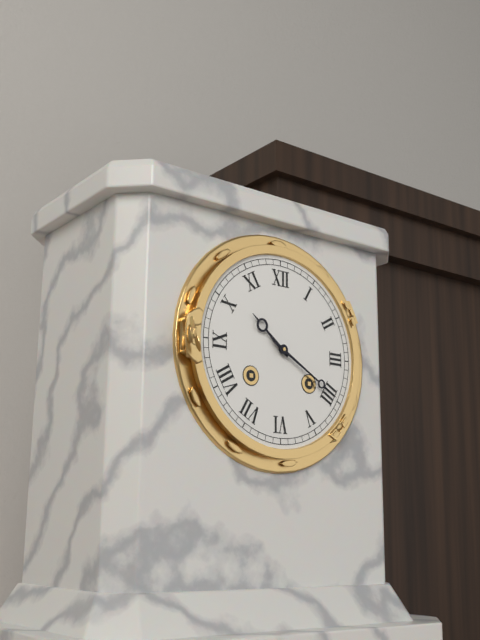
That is 10,20
